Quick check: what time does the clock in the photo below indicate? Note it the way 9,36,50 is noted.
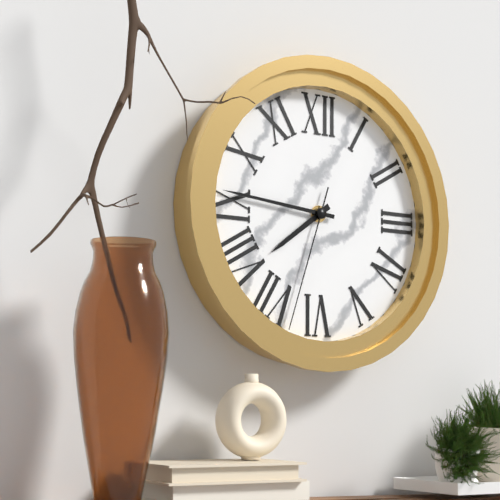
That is 7,46,33
